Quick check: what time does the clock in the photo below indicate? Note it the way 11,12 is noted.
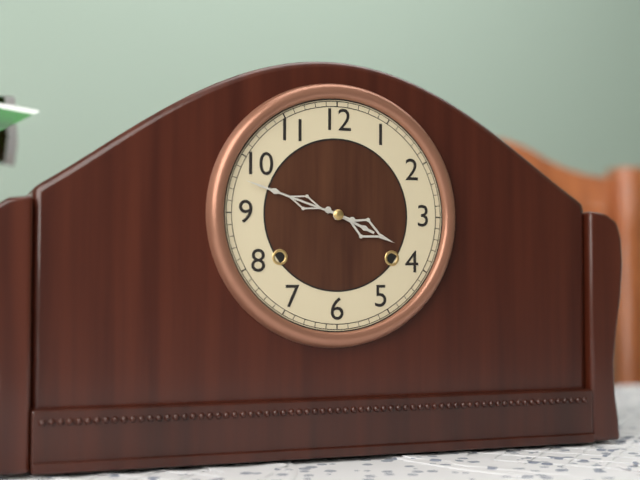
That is 3,48
